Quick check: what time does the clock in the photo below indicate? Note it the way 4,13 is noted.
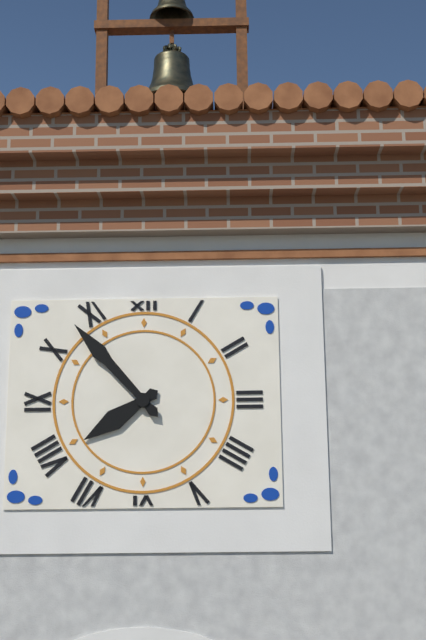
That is 7,53
